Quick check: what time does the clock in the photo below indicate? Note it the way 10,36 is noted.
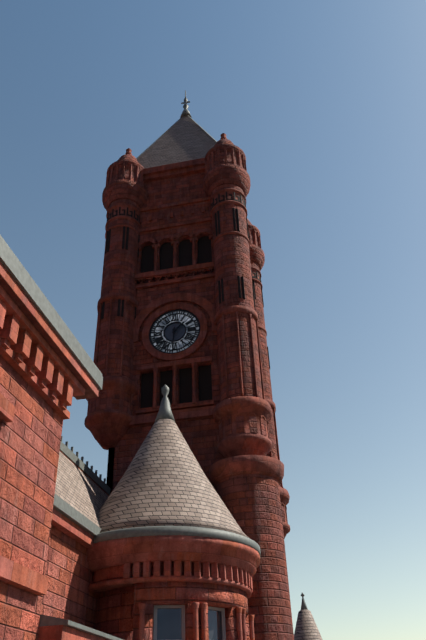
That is 1,31
